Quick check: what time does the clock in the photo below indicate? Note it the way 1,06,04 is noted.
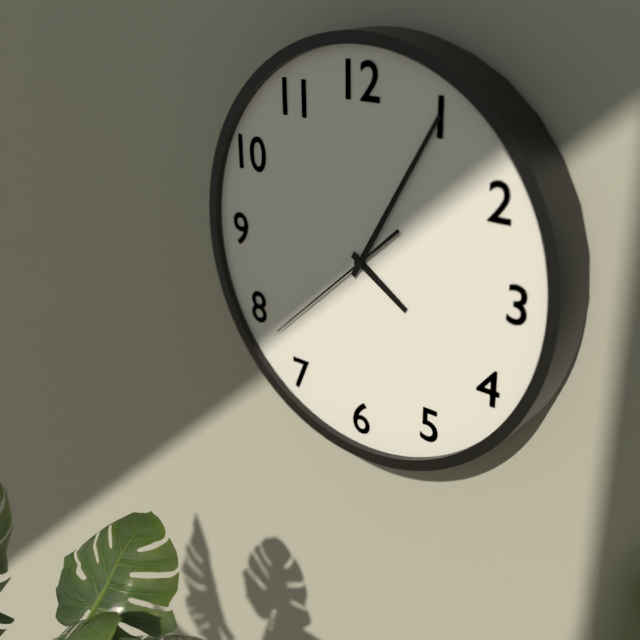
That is 4,05,38
